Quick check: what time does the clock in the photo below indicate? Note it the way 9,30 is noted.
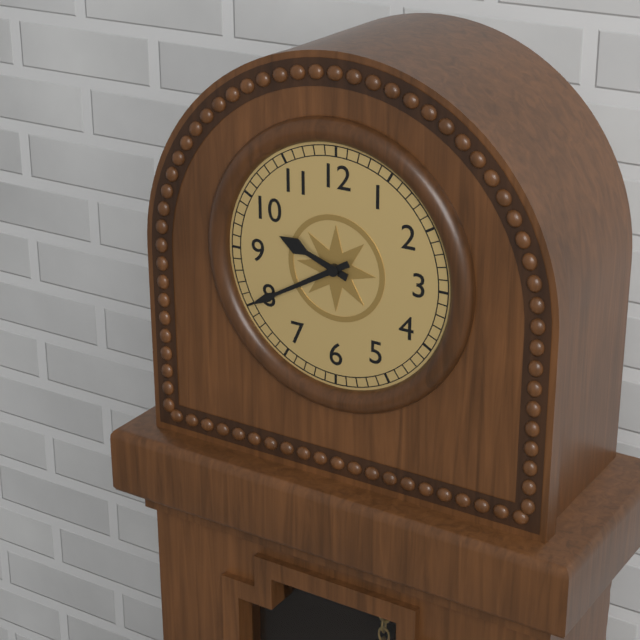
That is 9,40
